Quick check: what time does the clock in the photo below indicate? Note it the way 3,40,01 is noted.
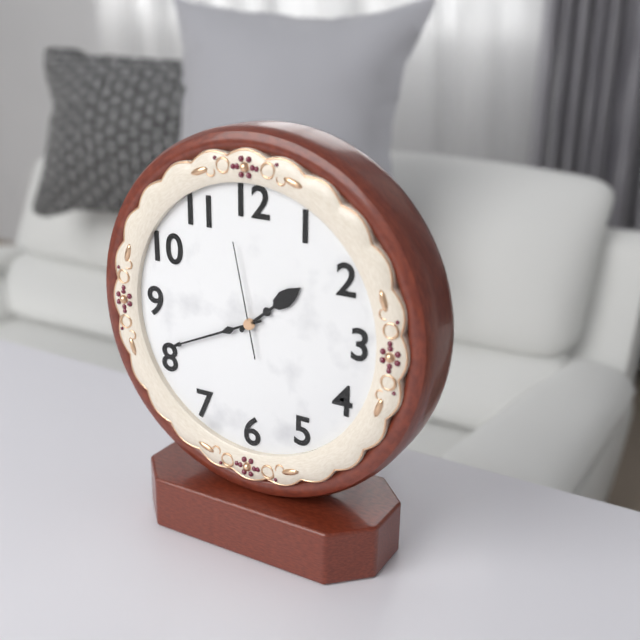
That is 1,41,58
